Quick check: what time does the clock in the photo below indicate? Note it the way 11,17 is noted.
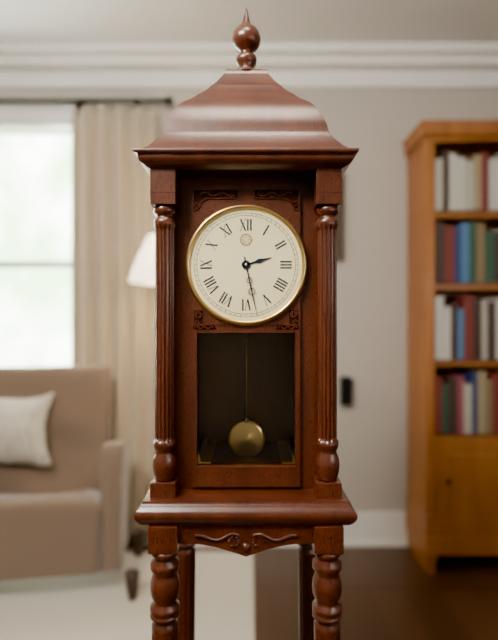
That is 2,28
